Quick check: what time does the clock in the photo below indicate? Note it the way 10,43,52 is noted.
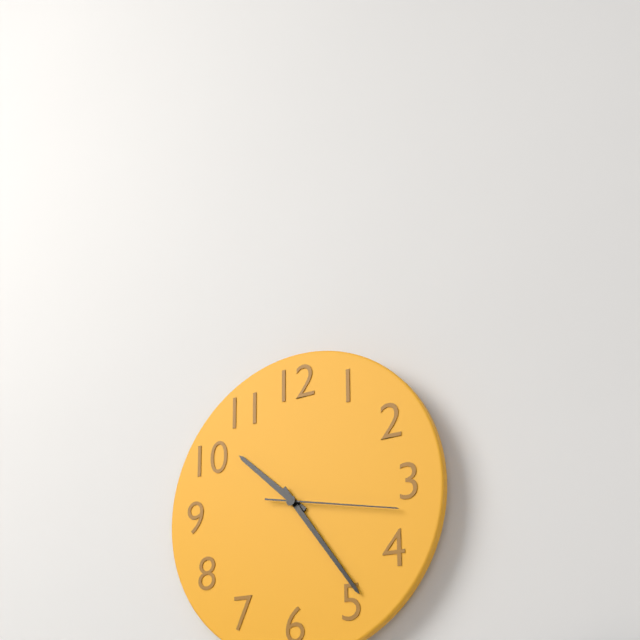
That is 10,24,17
